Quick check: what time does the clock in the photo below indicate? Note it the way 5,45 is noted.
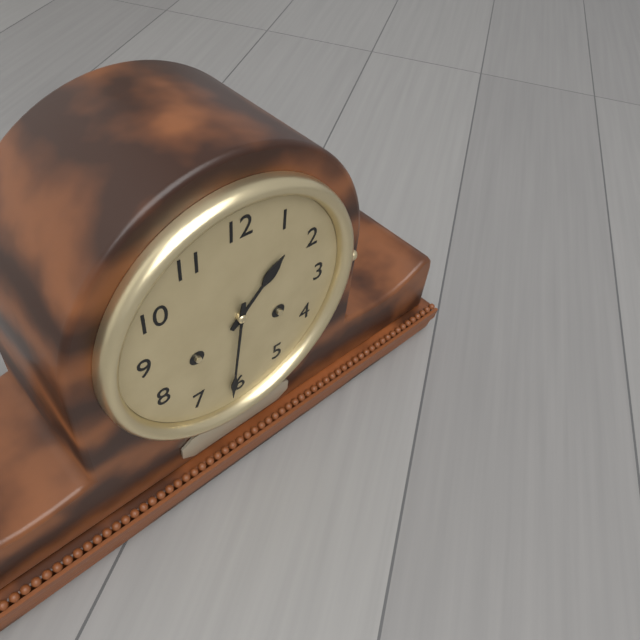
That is 1,31
